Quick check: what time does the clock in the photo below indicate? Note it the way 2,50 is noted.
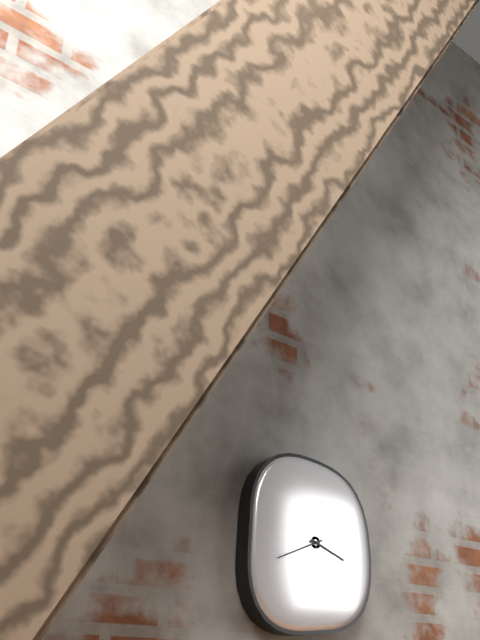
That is 3,41
